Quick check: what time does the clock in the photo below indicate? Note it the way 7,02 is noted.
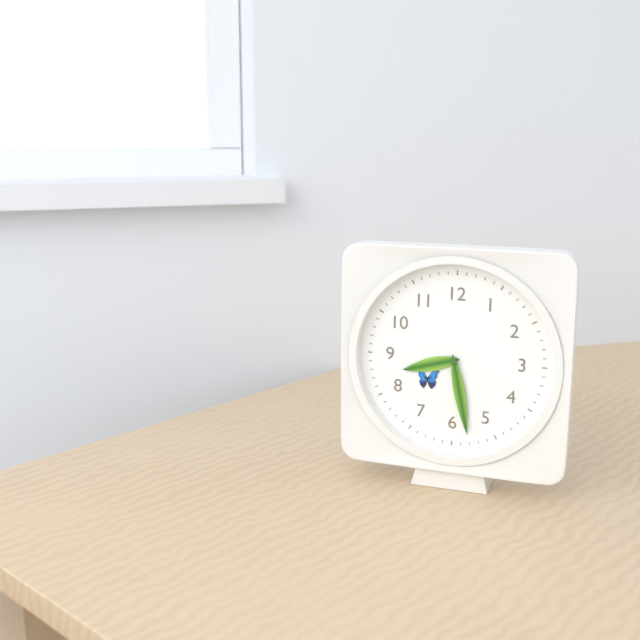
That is 8,28
